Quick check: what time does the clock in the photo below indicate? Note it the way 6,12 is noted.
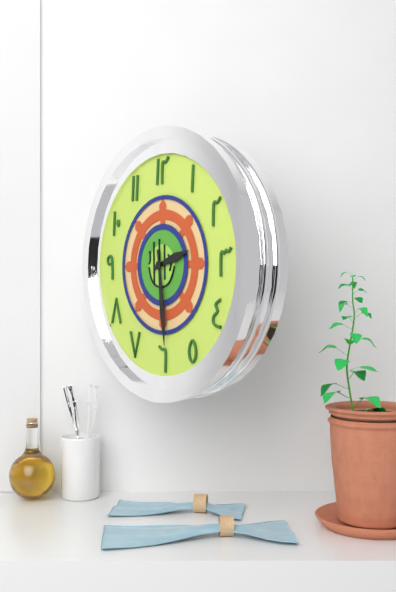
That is 2,29
